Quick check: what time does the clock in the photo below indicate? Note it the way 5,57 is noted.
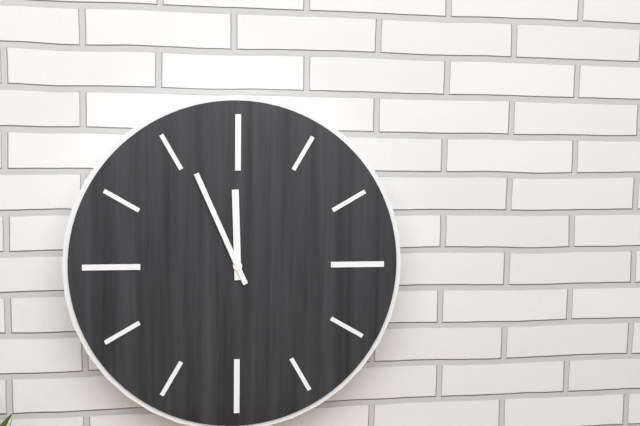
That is 11,56
